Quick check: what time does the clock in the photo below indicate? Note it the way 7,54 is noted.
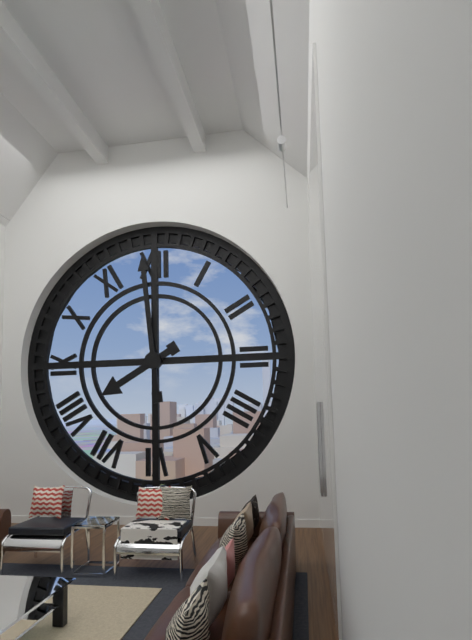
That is 7,59
